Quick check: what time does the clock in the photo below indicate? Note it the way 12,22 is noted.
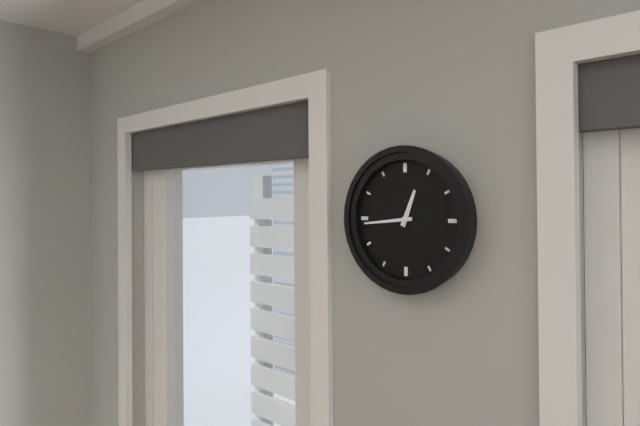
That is 12,44
